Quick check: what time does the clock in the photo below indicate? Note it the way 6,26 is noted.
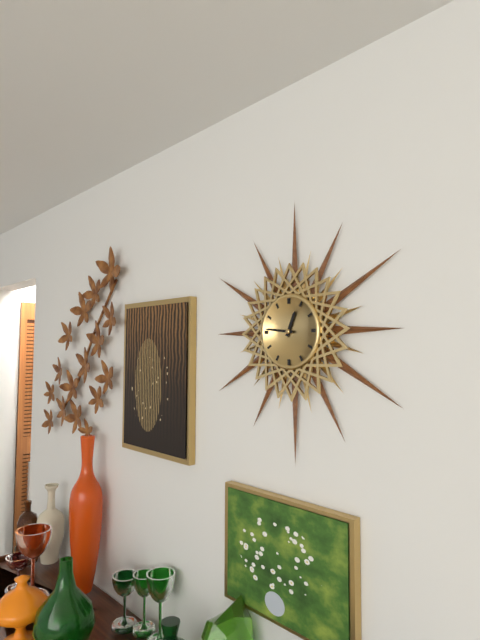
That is 12,46
